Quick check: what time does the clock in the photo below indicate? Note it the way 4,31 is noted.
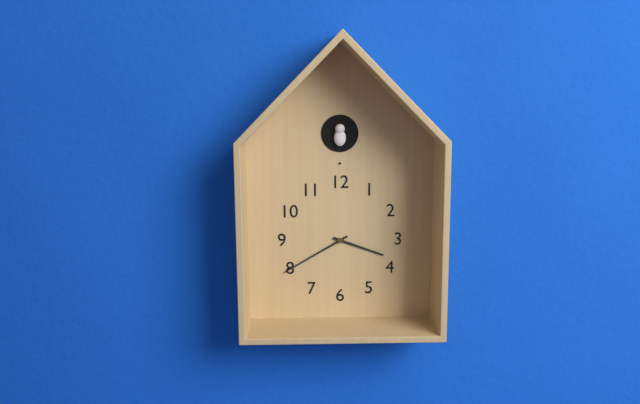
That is 3,40
